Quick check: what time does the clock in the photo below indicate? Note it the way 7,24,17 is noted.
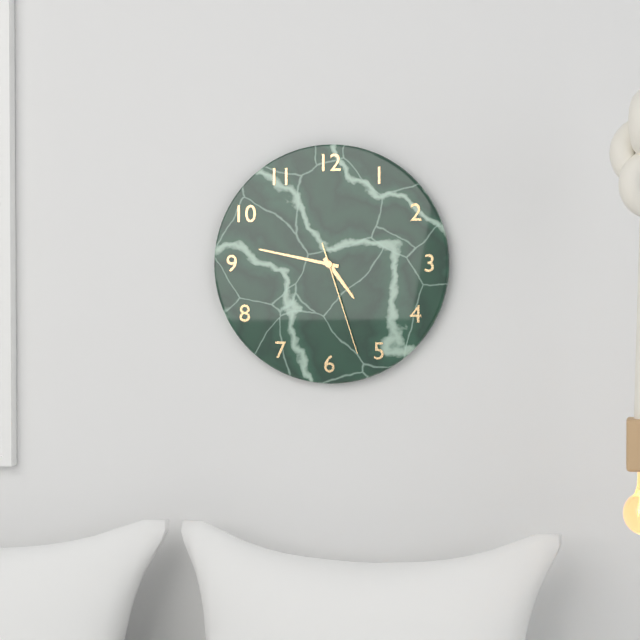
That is 4,47,27
